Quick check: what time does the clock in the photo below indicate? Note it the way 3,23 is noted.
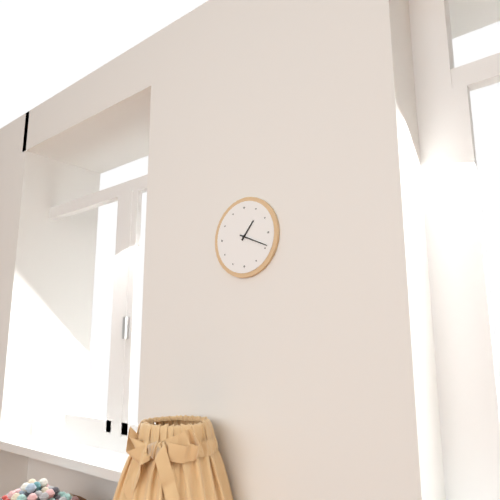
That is 1,19
